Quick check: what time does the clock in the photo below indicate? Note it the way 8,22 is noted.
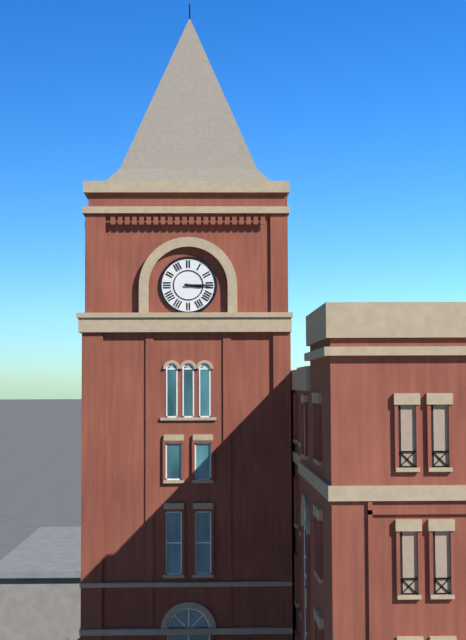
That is 3,15
